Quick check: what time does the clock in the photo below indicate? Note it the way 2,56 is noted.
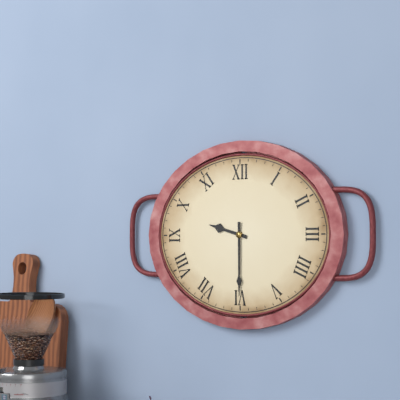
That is 9,30
